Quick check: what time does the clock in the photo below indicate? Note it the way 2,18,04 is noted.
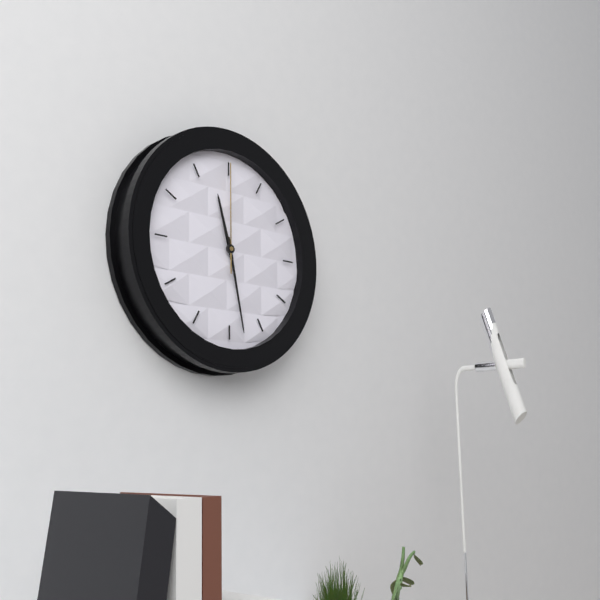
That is 11,28,00
